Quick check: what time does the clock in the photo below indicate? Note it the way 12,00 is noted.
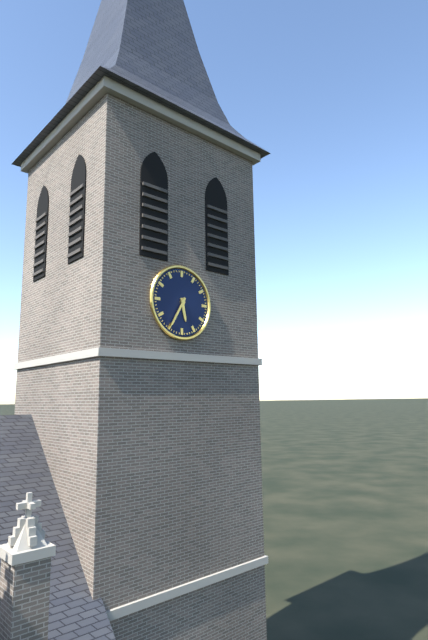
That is 5,35
